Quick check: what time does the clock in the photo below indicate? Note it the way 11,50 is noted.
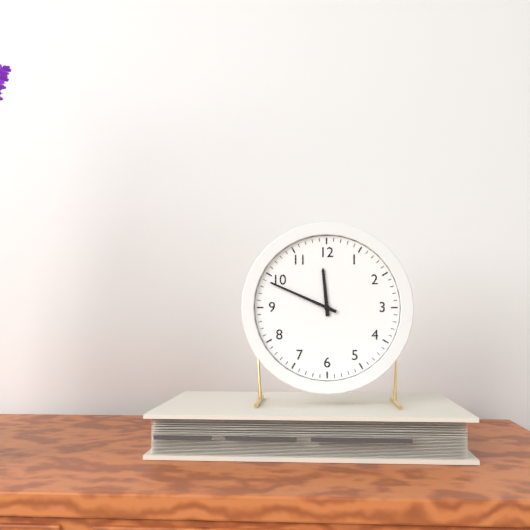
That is 11,49
